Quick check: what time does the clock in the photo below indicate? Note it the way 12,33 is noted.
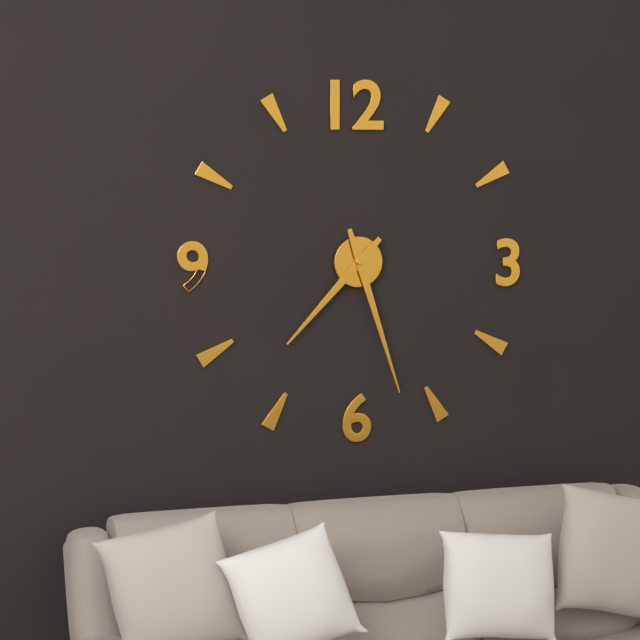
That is 7,27
